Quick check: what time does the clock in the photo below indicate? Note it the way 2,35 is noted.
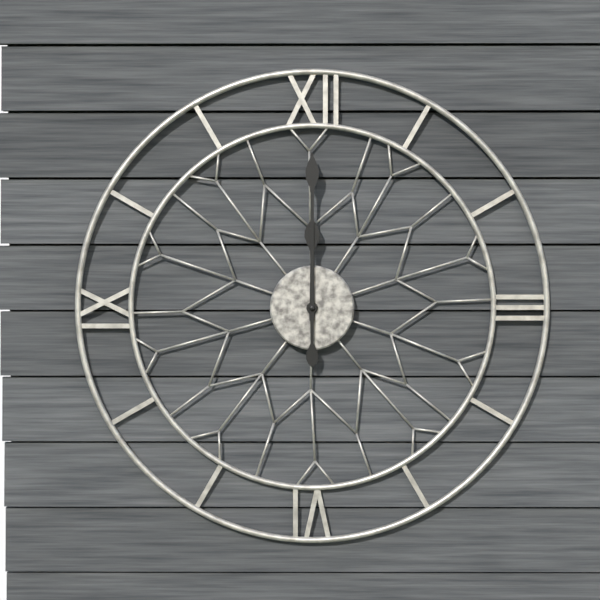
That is 12,00
